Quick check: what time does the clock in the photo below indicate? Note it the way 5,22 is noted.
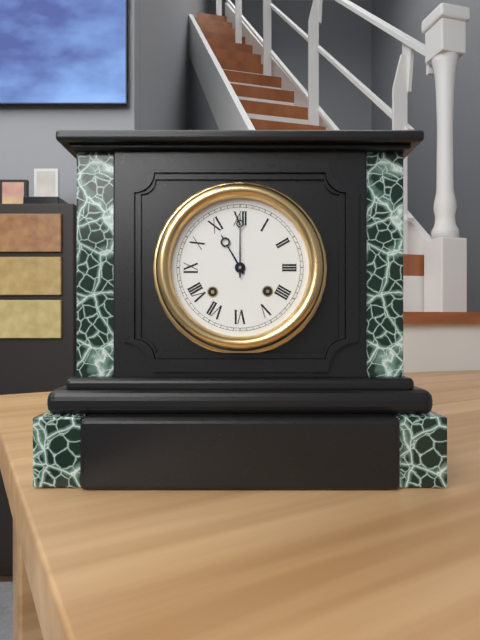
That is 11,00
